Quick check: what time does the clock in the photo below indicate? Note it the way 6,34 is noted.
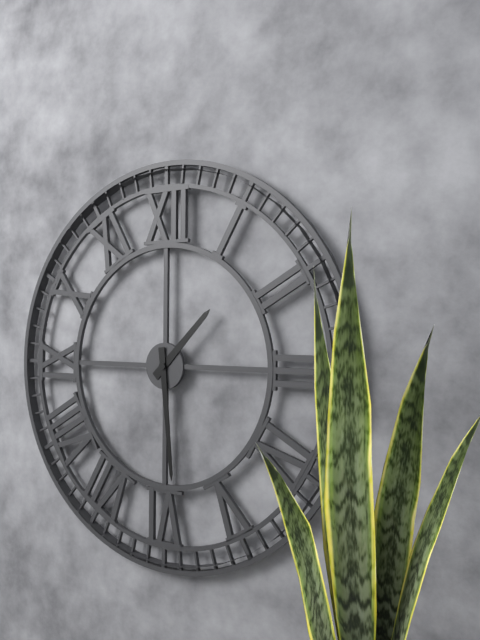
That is 1,29
